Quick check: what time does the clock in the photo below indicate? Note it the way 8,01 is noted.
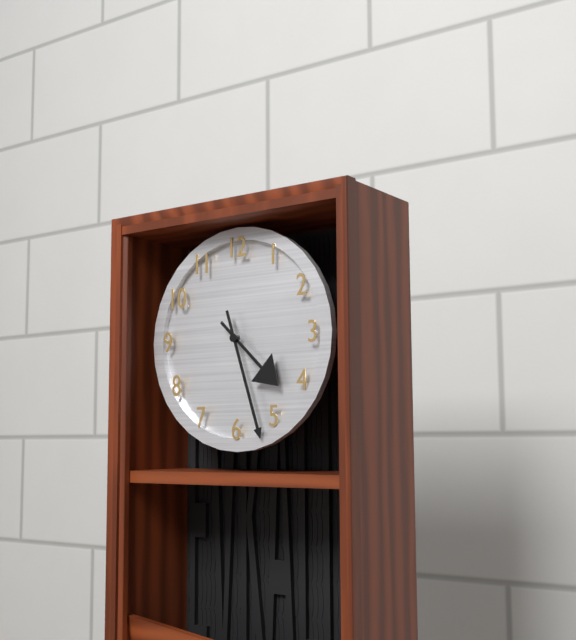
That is 4,27
